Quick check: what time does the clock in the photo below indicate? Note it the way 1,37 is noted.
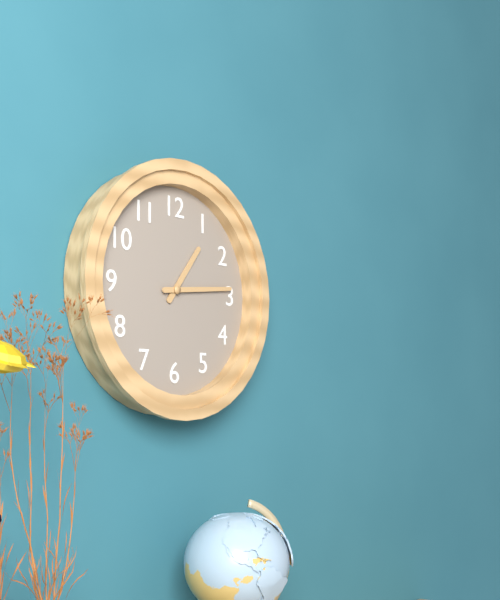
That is 1,14
